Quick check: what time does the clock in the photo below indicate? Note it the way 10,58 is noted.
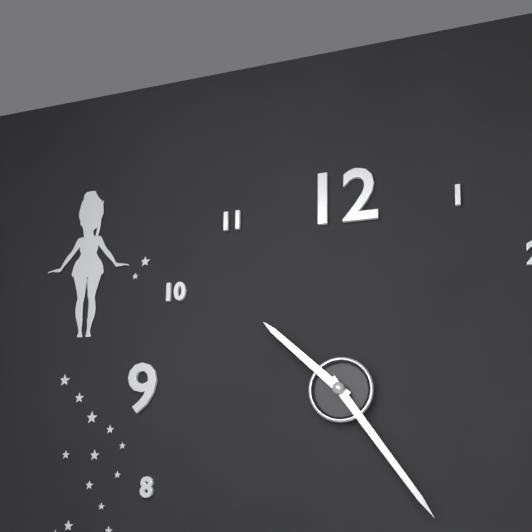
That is 10,24
